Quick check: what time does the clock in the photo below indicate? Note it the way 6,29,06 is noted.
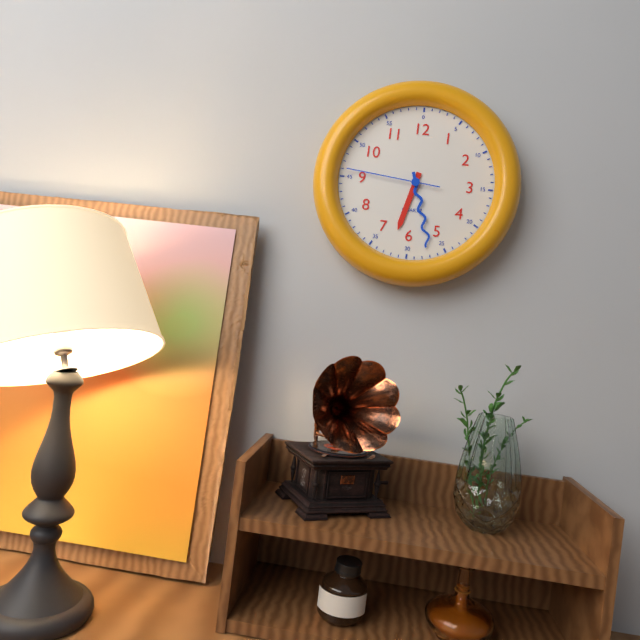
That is 6,27,46
